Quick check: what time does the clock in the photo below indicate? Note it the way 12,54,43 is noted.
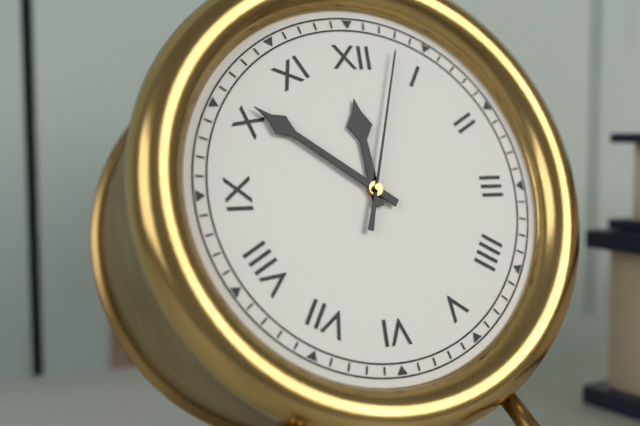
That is 11,51,03
